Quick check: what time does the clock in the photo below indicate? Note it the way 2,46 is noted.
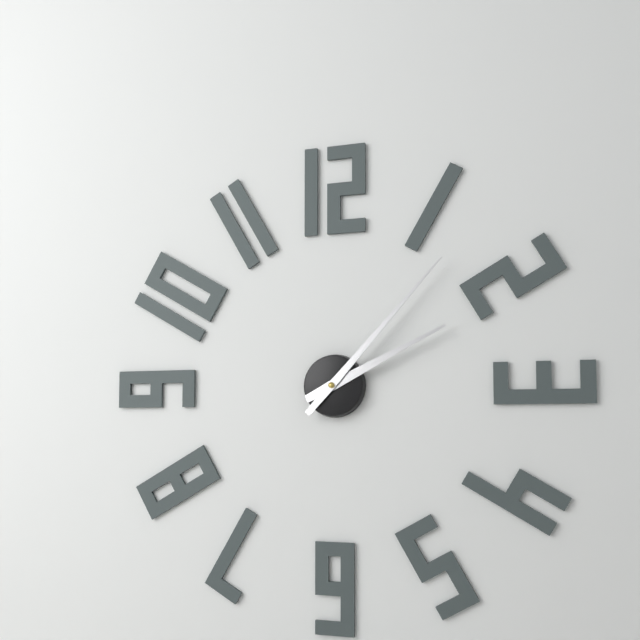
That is 2,07
